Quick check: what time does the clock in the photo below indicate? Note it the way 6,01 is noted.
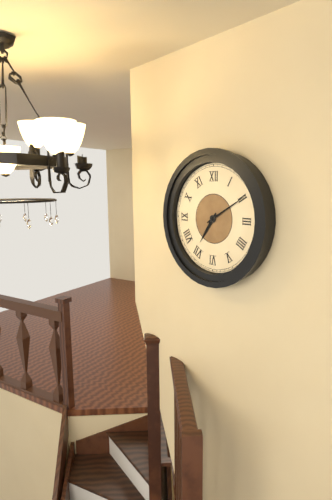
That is 7,10
